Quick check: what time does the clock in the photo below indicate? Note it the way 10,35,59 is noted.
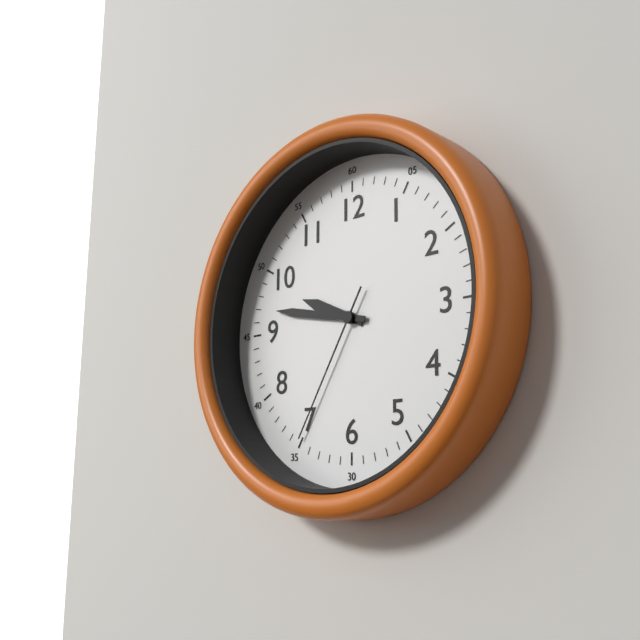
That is 9,47,35
